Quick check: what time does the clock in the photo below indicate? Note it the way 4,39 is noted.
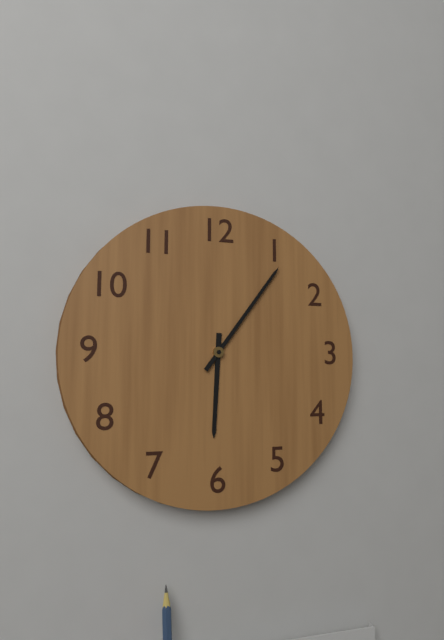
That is 6,06
